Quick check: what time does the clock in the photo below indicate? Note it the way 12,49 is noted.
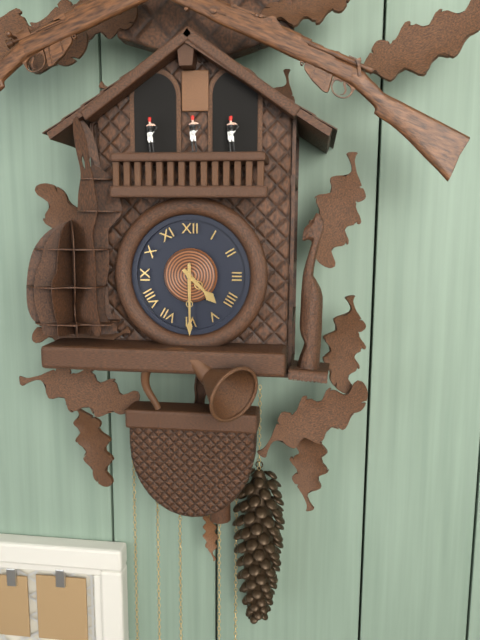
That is 4,30
